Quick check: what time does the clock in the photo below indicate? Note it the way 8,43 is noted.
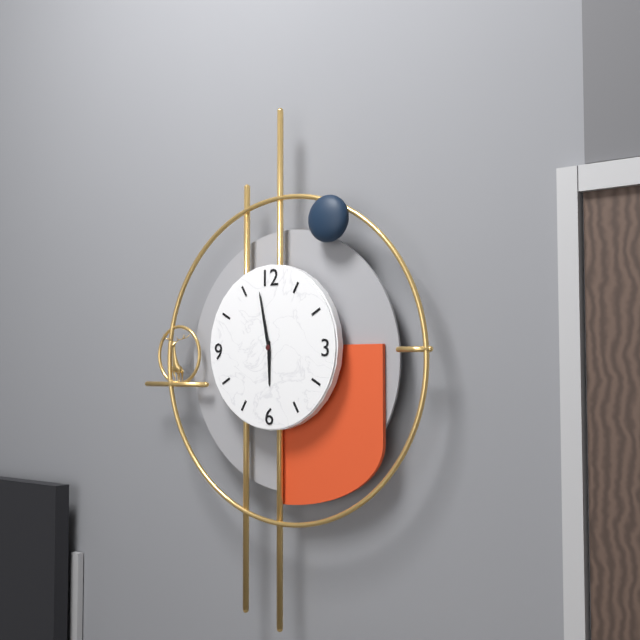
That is 5,58
